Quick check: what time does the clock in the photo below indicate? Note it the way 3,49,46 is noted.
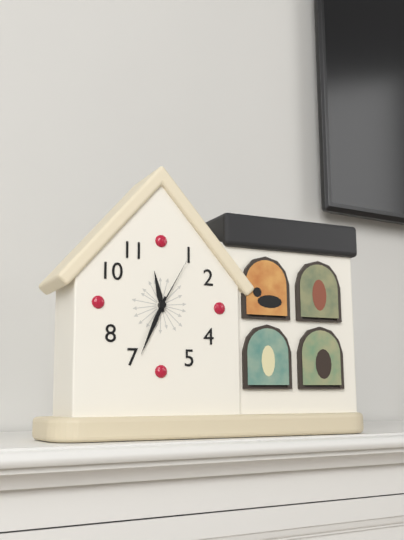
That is 11,34,05
